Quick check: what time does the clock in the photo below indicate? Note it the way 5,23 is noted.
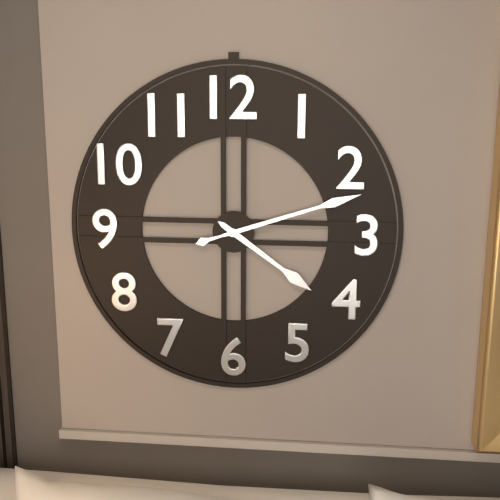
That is 4,12
